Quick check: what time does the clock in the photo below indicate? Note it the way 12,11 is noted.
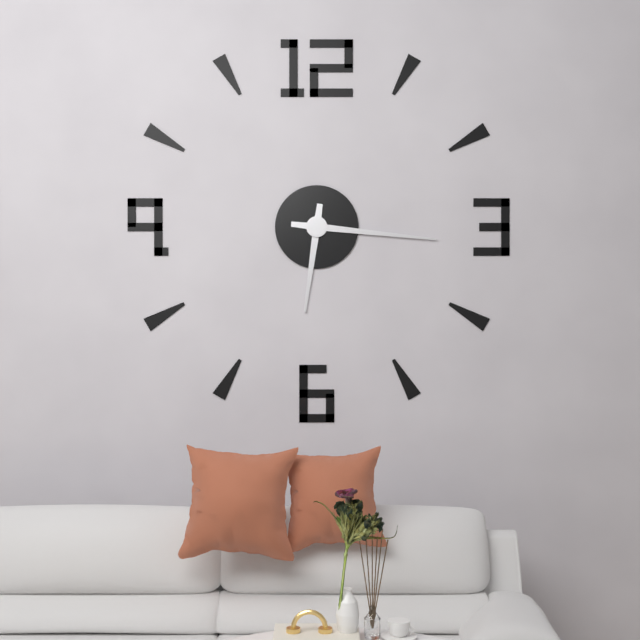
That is 6,16
